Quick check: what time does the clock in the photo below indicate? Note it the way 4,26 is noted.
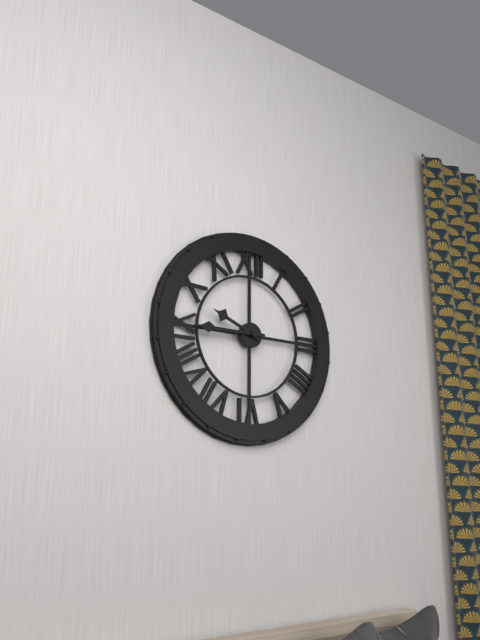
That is 9,45
